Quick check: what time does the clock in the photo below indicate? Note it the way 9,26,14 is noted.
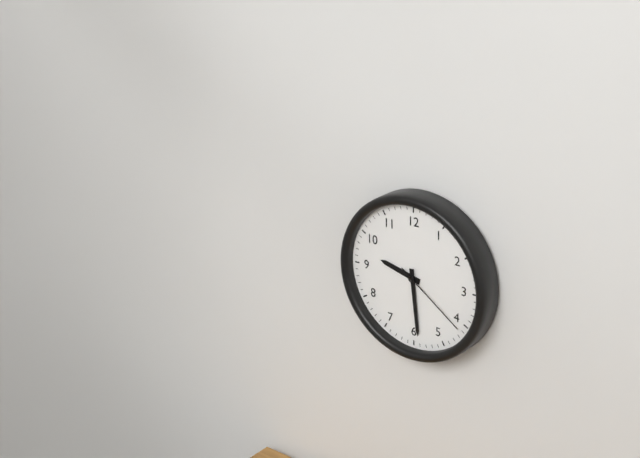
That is 9,29,21
